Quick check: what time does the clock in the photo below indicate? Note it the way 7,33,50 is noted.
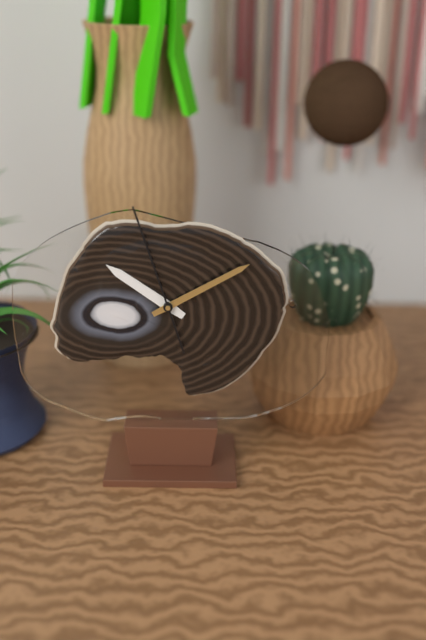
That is 10,10,57
